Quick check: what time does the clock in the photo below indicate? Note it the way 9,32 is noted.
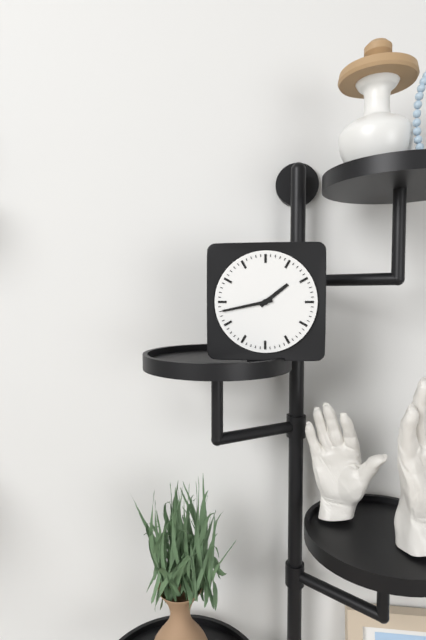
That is 1,43
